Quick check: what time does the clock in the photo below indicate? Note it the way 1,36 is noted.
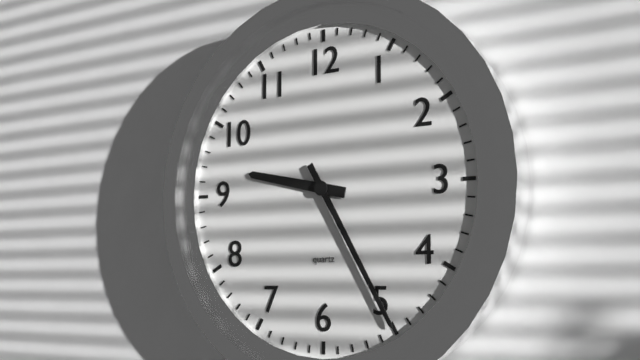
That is 9,25
